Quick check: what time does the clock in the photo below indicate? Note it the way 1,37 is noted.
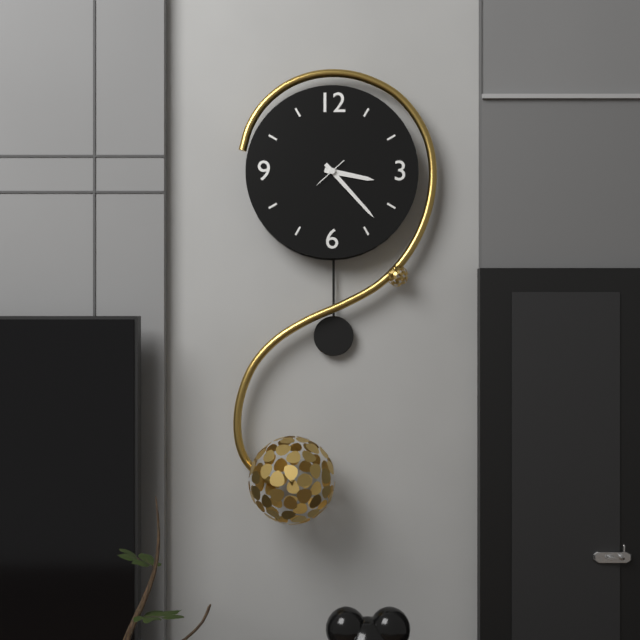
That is 3,23
